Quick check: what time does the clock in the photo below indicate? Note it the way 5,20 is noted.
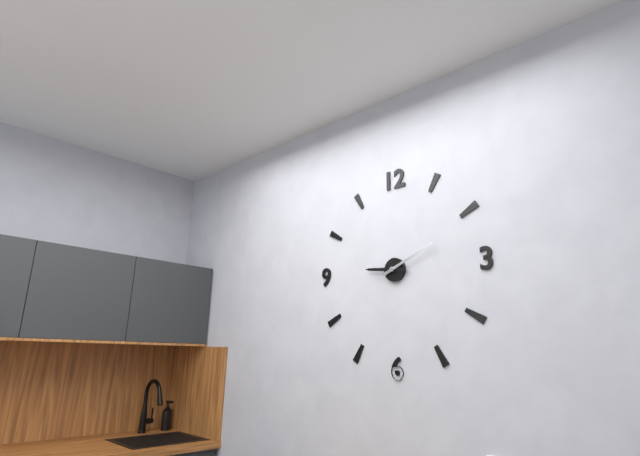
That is 9,11
